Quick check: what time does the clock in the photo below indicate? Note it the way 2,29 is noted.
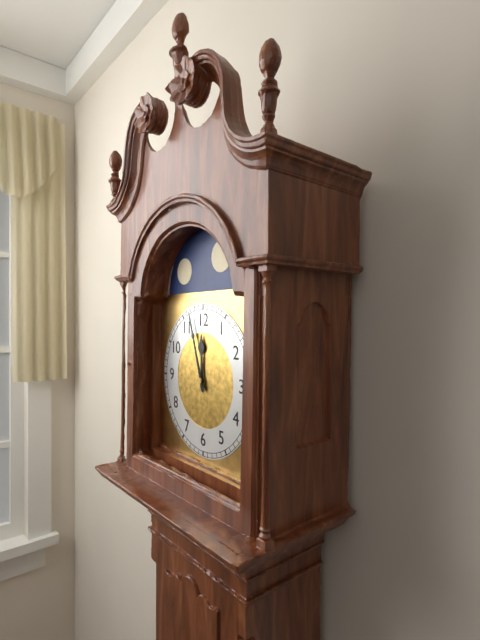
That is 11,57
